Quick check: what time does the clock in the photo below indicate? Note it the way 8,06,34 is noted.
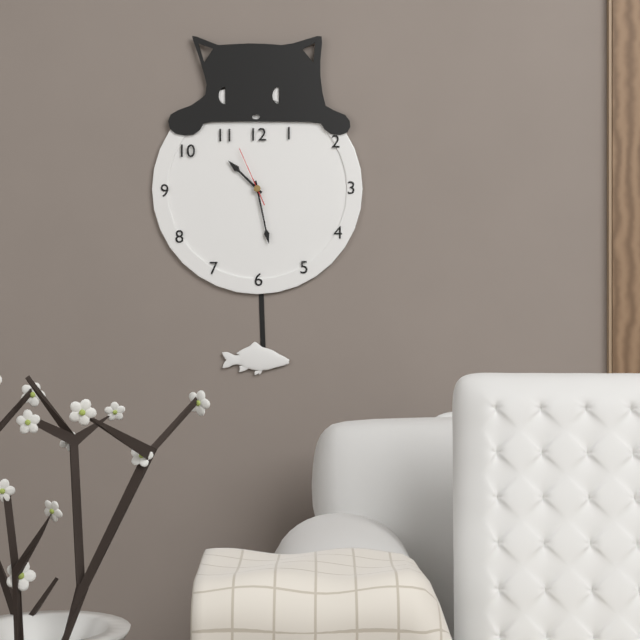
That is 10,28,56
